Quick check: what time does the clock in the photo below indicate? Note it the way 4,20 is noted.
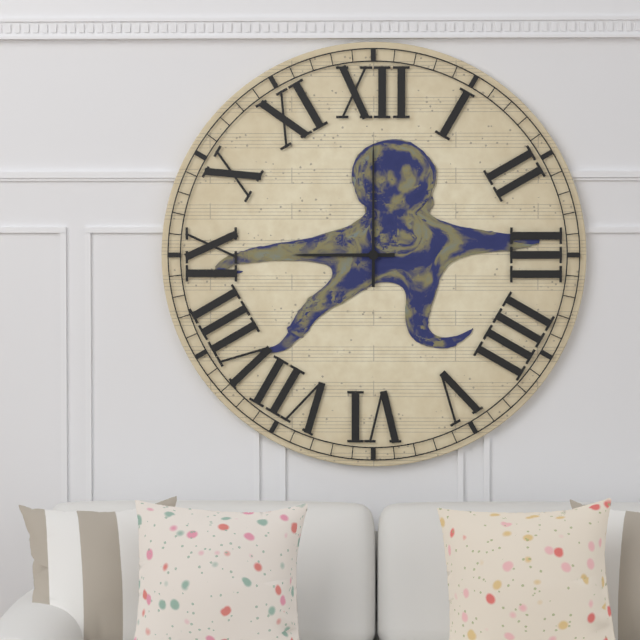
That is 9,00
